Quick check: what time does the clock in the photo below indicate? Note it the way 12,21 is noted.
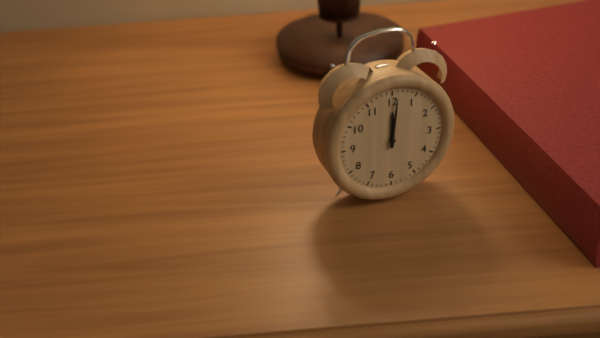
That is 12,01
